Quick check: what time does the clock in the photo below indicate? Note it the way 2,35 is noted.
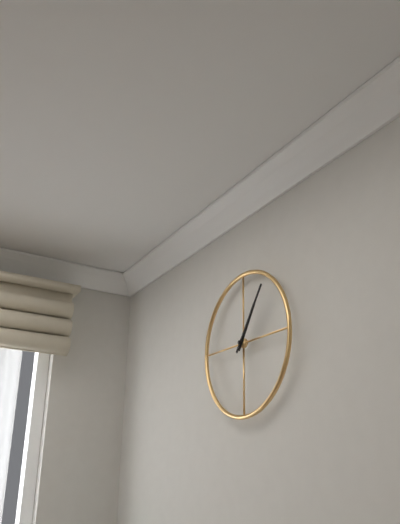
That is 1,06
